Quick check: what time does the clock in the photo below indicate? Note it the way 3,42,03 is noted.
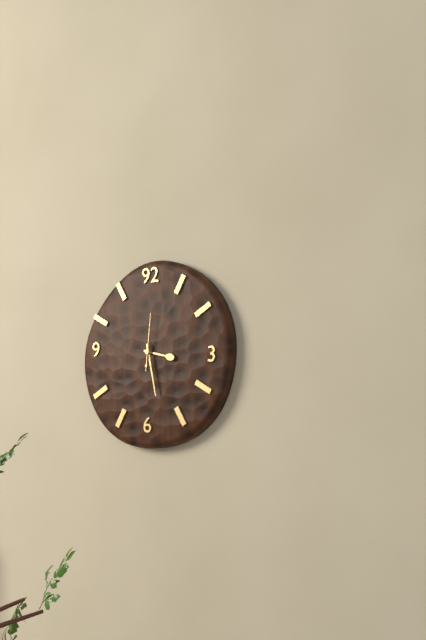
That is 3,28,01
